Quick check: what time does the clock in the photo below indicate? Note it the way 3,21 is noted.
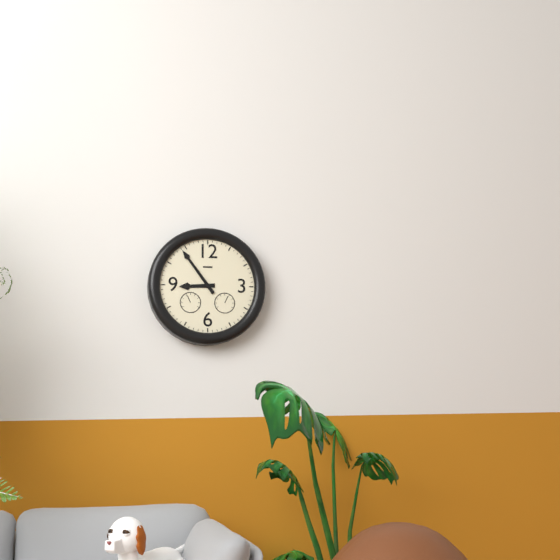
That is 8,54
